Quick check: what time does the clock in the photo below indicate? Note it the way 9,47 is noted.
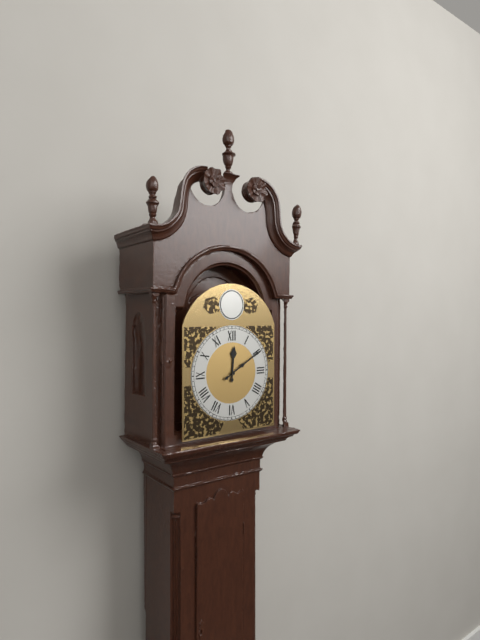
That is 12,10
